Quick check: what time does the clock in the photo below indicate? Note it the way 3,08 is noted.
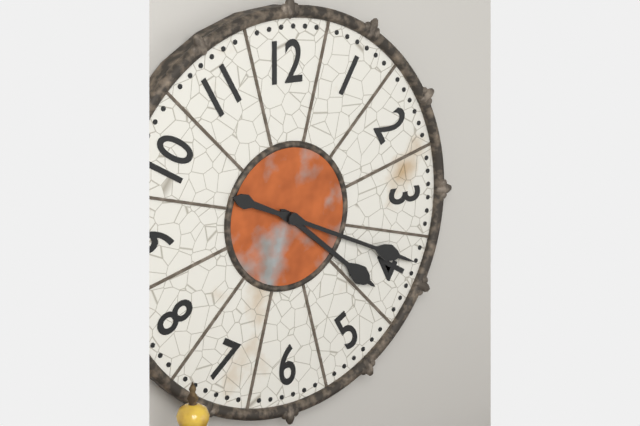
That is 4,19
